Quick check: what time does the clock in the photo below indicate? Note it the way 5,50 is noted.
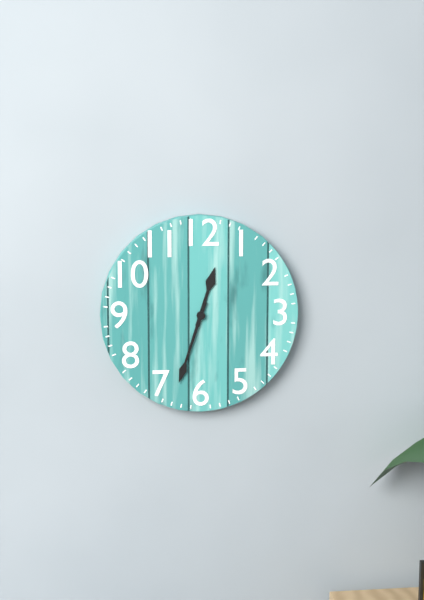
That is 12,33
